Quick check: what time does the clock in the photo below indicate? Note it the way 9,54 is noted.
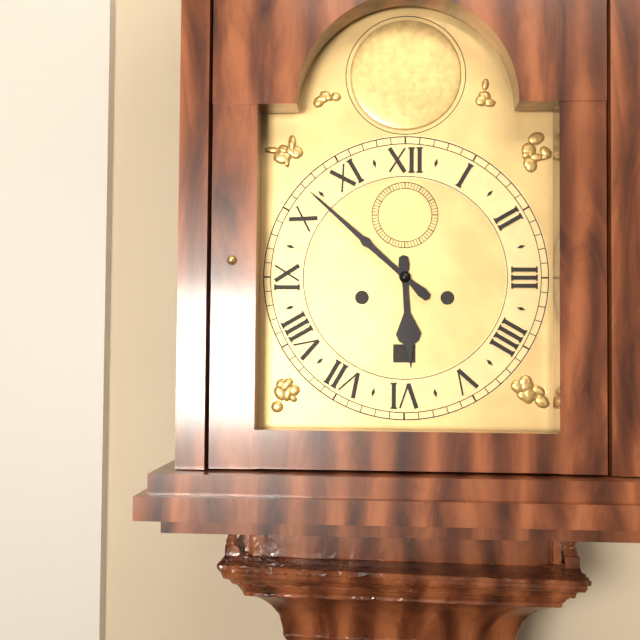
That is 5,52
